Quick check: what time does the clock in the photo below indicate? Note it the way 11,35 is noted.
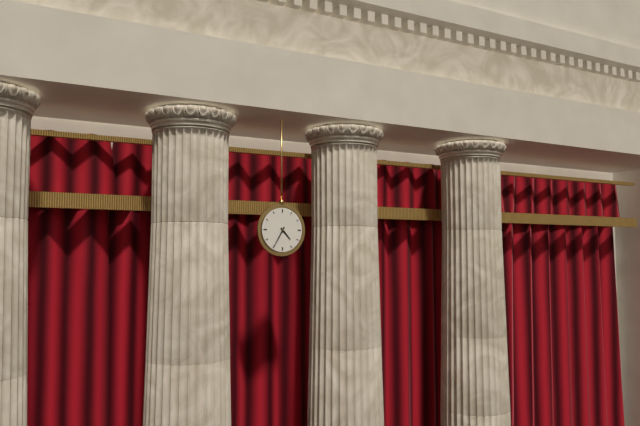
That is 4,35
